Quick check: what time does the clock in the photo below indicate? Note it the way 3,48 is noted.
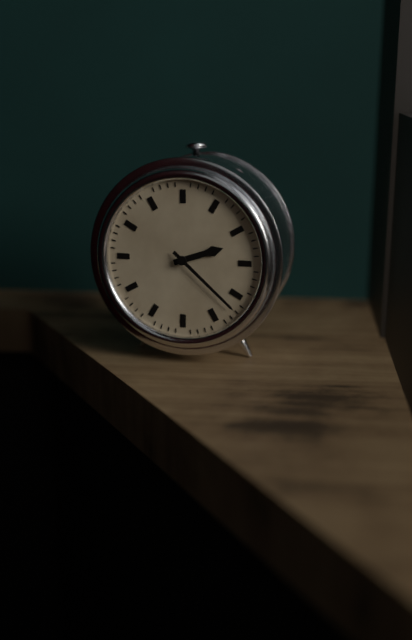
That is 2,22
